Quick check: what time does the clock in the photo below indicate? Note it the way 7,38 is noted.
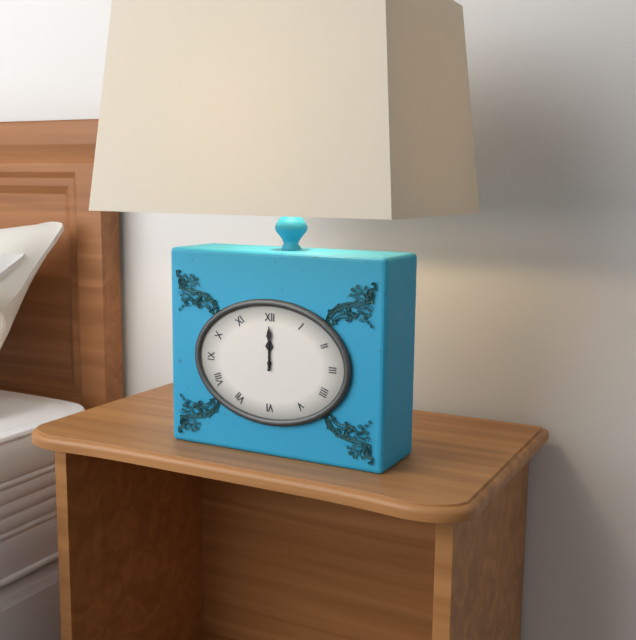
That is 12,00
